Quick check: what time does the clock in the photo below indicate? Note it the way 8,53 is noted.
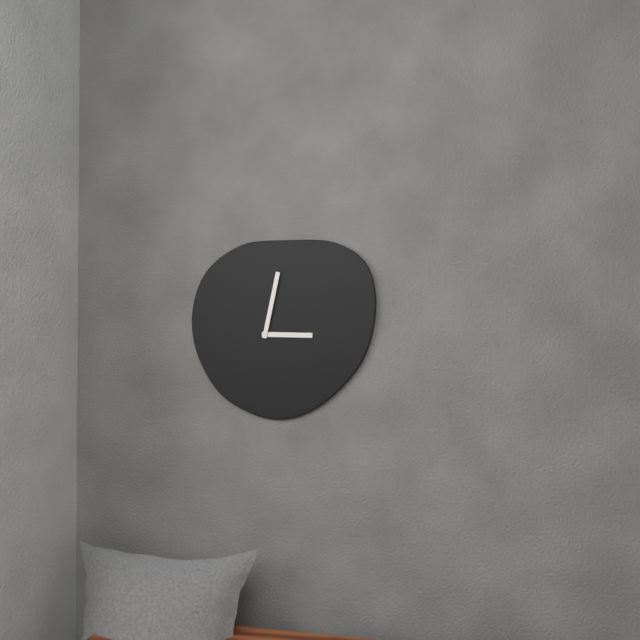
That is 3,02
